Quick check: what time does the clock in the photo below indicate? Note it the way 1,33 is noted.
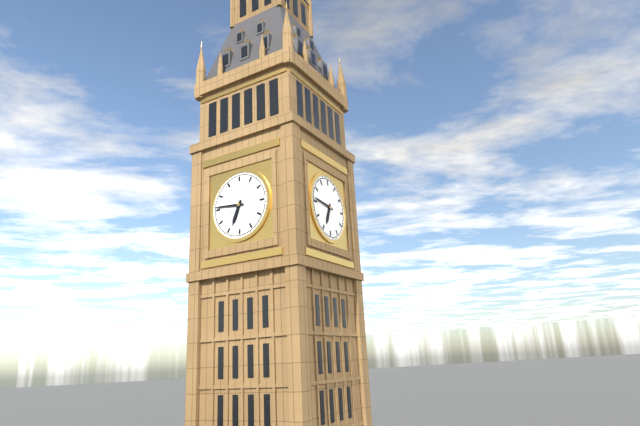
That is 6,46
